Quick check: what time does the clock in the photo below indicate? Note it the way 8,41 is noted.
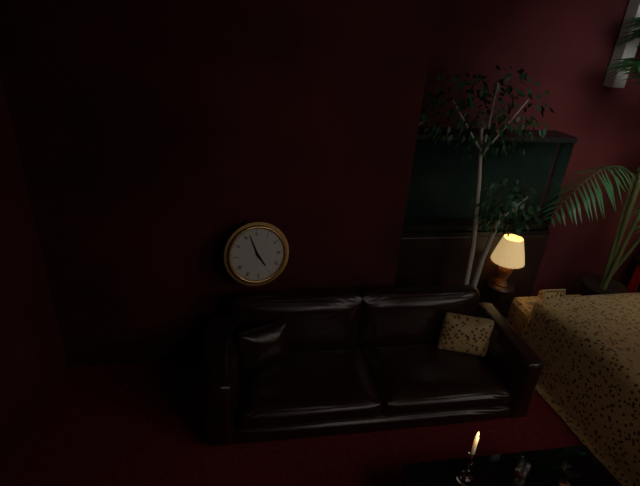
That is 4,57
